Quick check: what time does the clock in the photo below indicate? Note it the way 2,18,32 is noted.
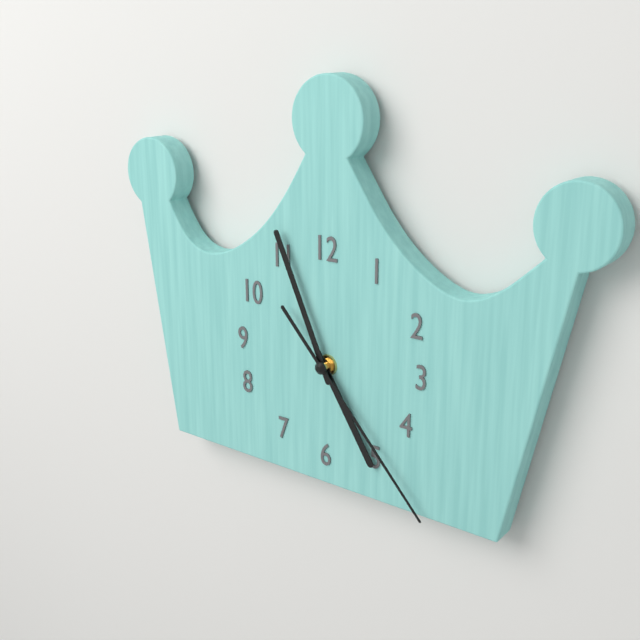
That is 4,56,23
